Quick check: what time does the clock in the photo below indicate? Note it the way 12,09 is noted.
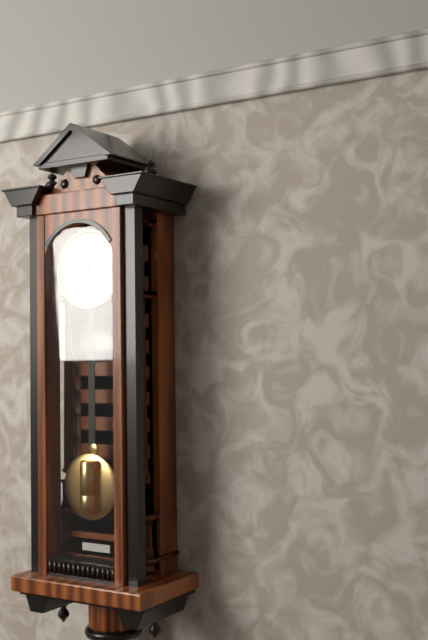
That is 4,48
